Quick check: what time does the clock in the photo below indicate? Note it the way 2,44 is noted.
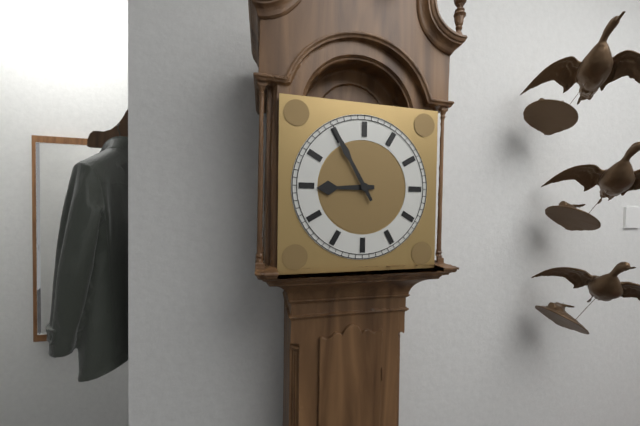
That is 8,55
